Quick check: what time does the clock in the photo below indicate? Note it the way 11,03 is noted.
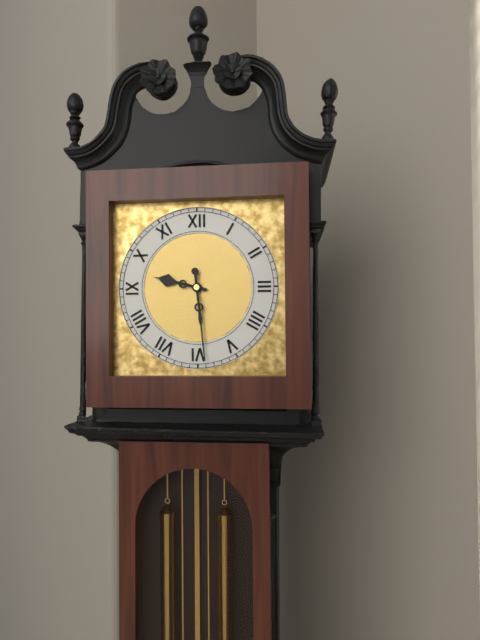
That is 9,29
